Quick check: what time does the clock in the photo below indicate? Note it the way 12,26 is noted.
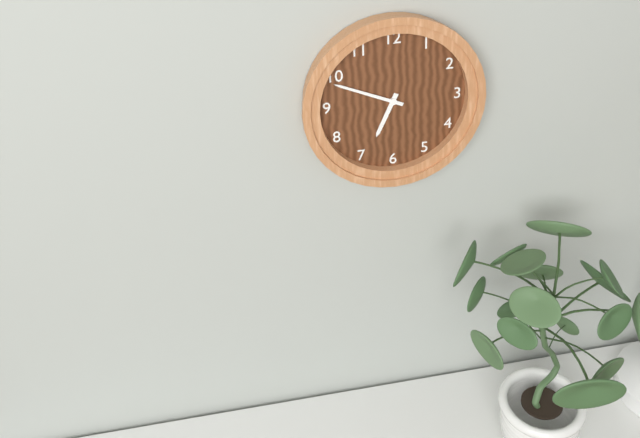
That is 6,49
